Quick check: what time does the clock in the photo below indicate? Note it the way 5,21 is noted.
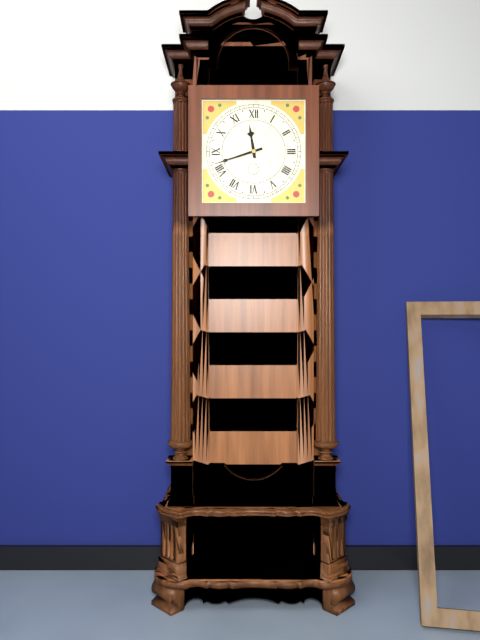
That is 11,42
